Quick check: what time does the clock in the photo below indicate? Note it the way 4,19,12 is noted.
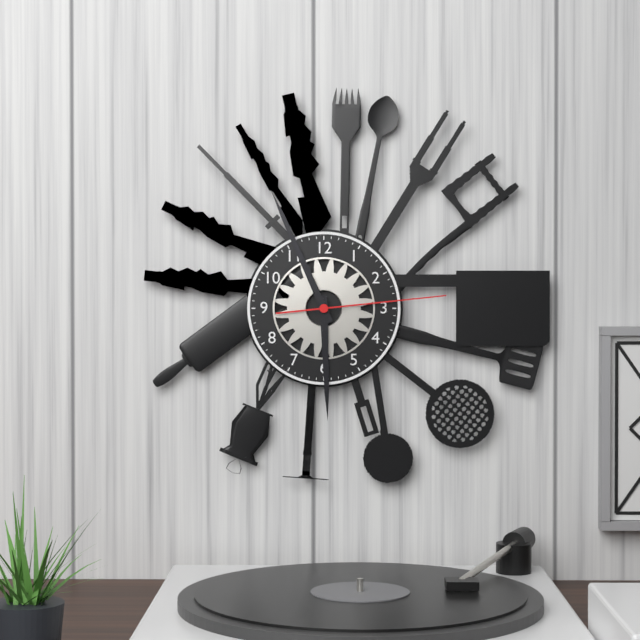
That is 5,56,14
